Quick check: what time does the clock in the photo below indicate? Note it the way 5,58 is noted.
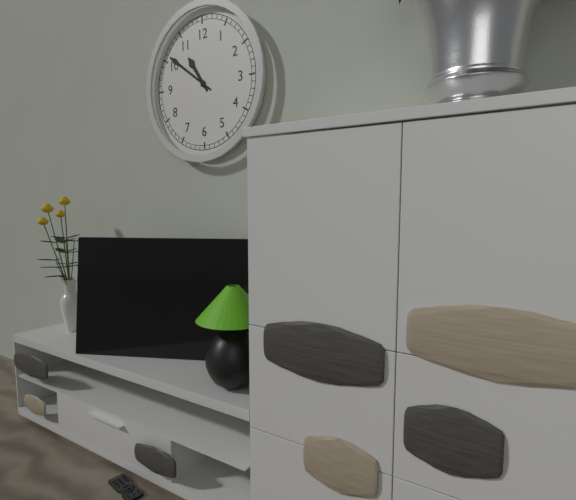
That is 10,51
